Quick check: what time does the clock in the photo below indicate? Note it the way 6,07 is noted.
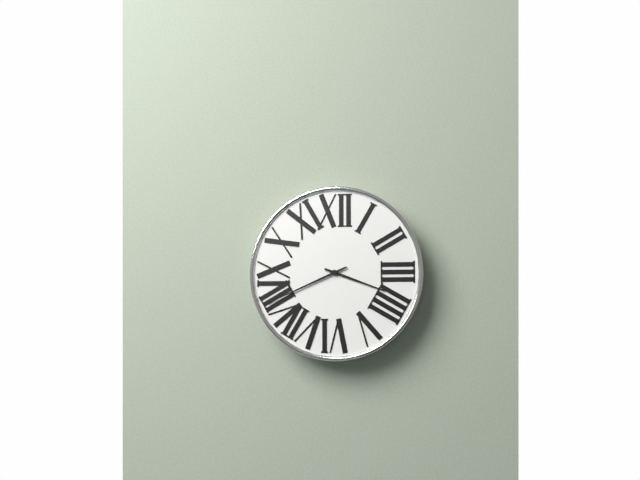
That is 3,41
